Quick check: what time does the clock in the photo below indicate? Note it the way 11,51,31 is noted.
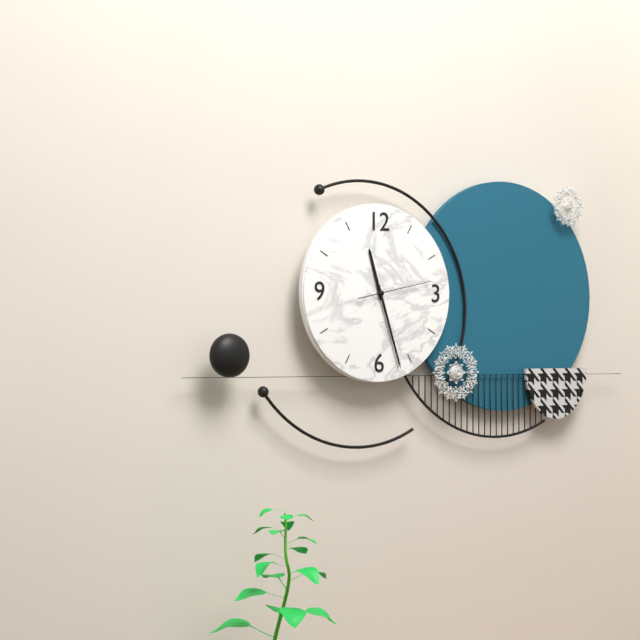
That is 11,27,13
